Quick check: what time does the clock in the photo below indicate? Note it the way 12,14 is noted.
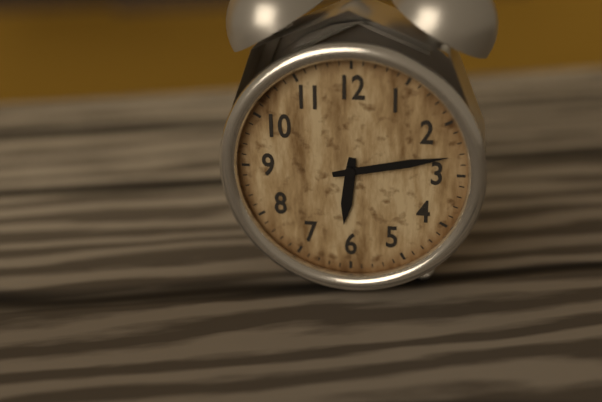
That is 6,13
